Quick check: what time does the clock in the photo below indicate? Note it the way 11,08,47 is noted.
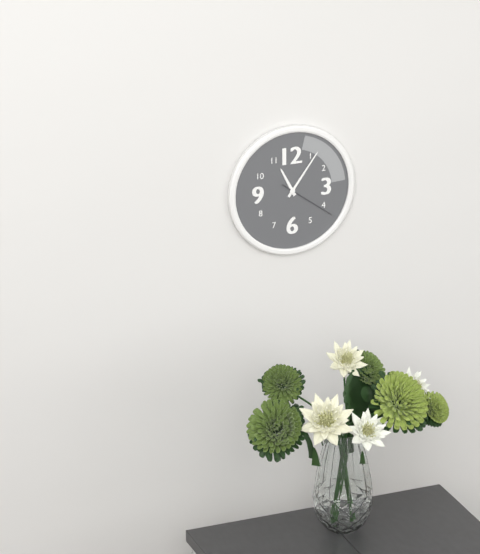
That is 11,06,21
